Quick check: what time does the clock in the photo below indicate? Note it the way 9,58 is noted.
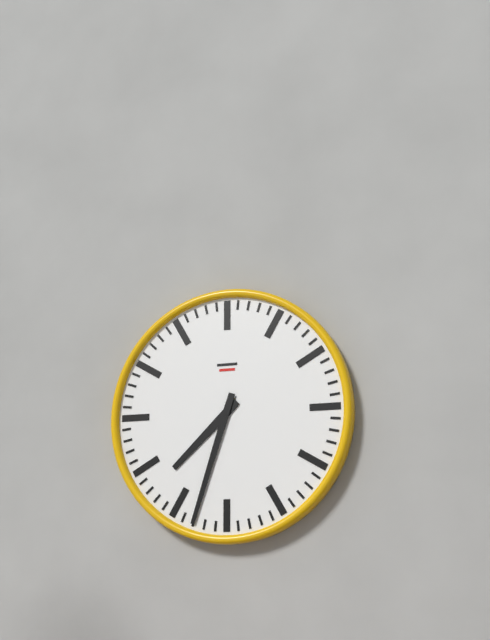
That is 7,33
